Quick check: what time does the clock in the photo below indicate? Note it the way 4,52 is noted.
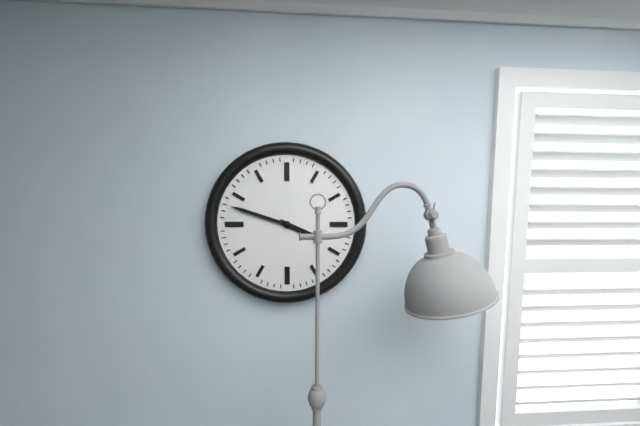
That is 3,48
